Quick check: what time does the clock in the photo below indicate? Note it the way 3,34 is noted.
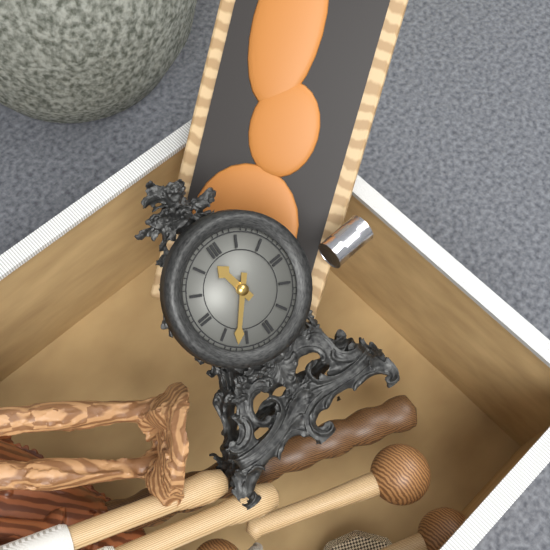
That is 11,37
